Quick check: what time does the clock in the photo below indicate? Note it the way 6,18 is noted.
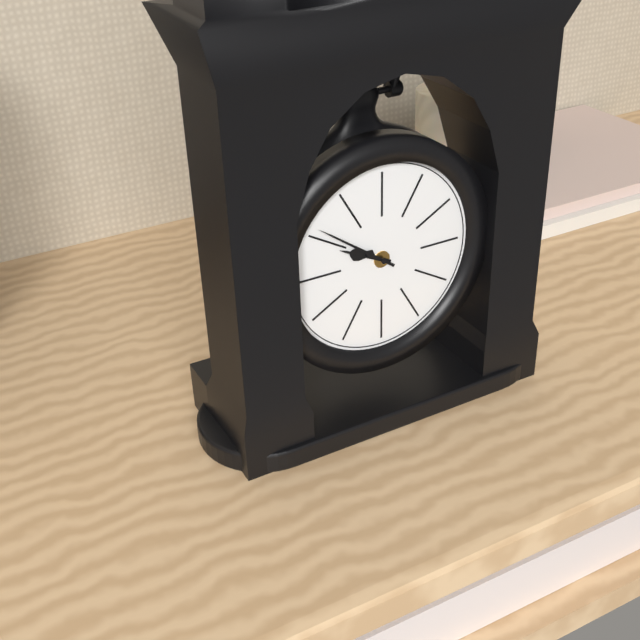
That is 9,51
